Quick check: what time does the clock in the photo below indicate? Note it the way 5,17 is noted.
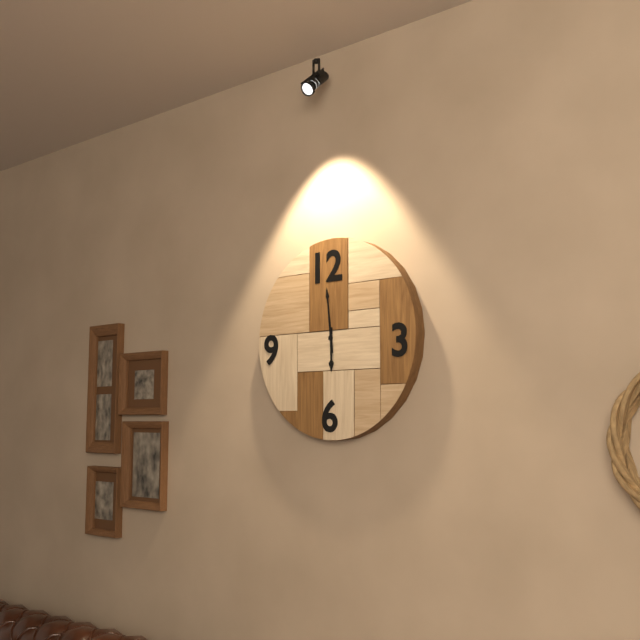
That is 5,59
